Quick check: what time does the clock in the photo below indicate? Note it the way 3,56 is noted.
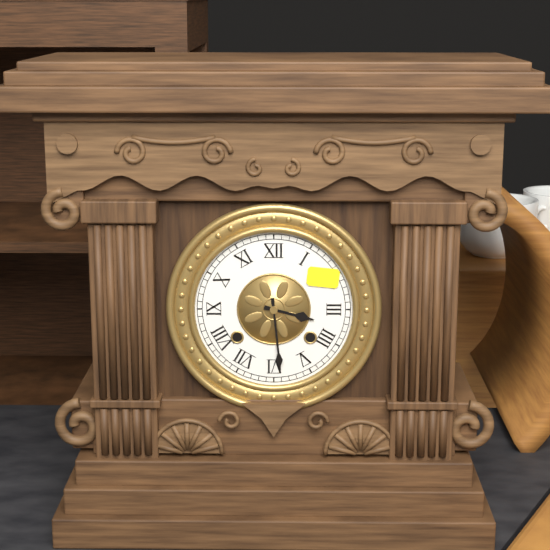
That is 3,29
